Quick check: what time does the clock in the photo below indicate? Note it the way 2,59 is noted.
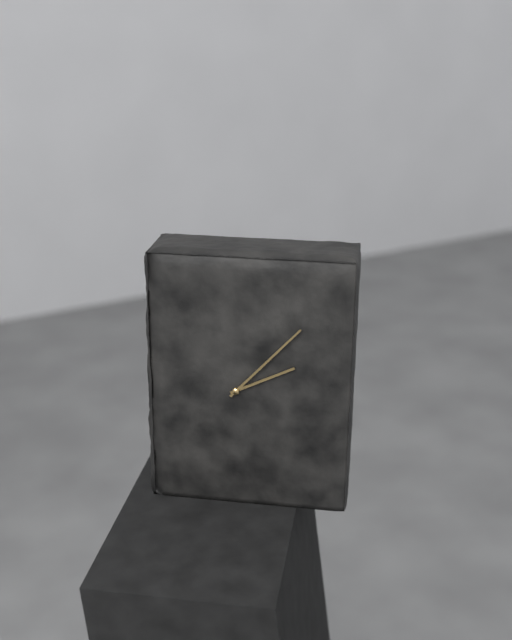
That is 2,07
